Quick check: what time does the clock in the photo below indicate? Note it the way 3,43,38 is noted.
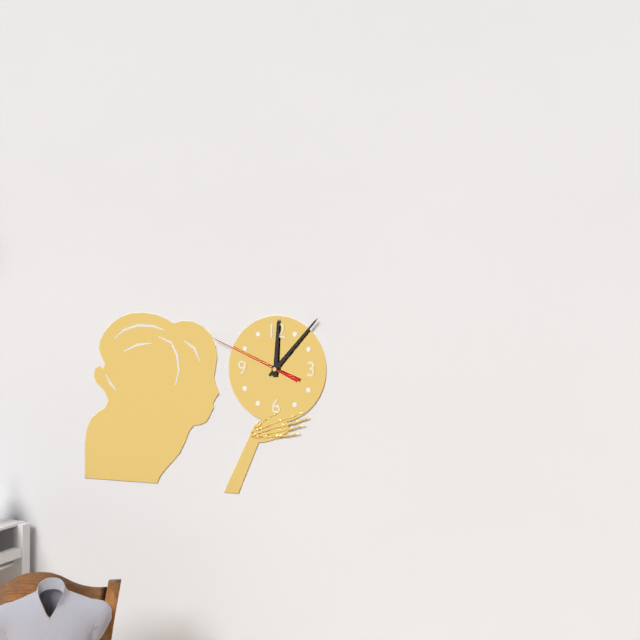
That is 12,07,49
